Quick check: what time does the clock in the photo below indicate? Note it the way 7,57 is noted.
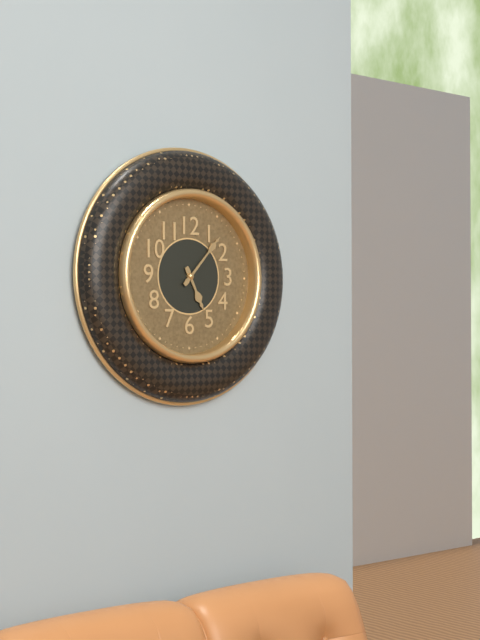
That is 5,07
